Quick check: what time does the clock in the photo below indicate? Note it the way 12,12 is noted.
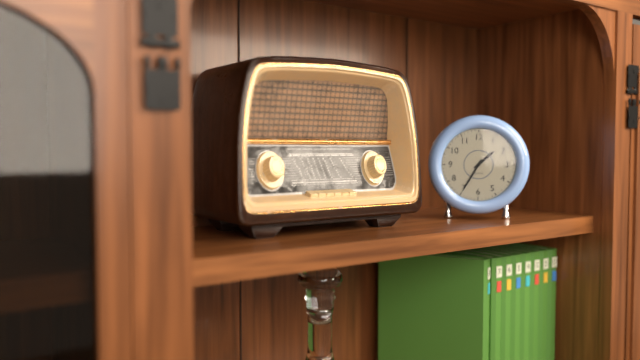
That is 1,35
